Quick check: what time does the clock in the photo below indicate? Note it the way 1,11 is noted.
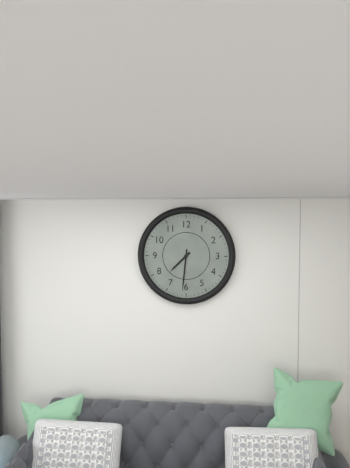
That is 7,31
